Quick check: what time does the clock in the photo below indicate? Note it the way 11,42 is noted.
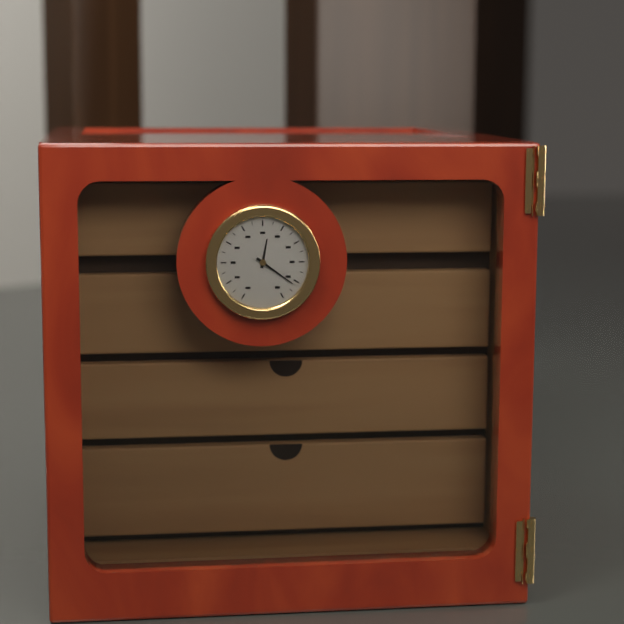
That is 12,21
